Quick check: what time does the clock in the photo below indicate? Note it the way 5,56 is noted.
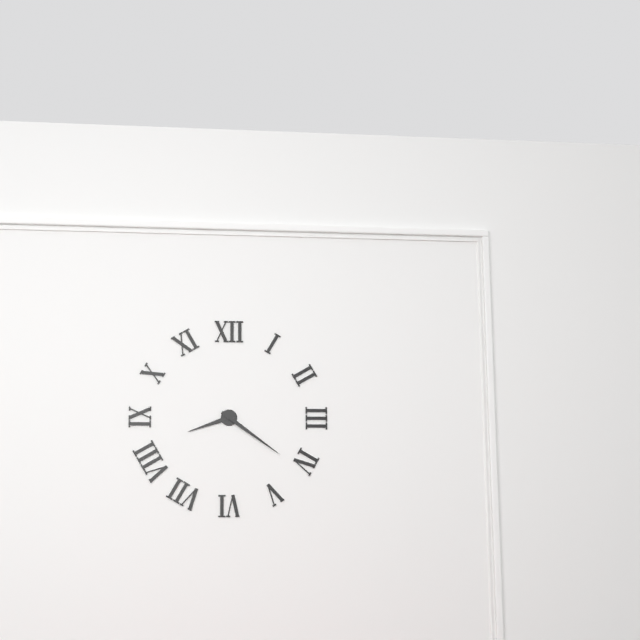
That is 8,21
